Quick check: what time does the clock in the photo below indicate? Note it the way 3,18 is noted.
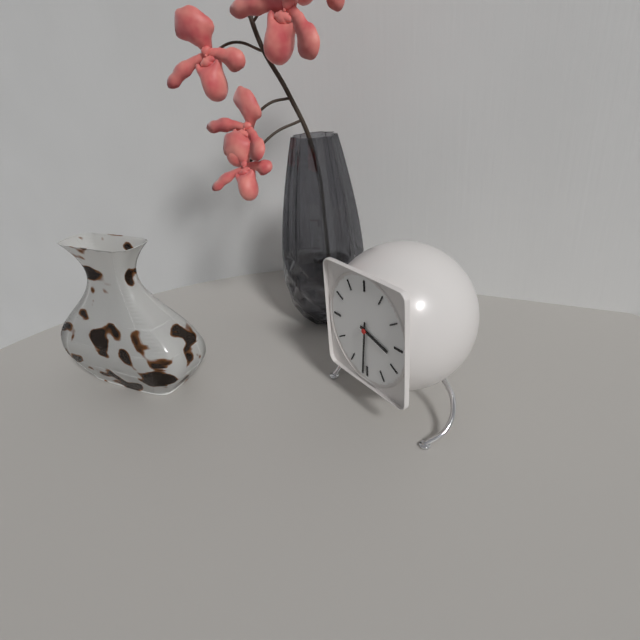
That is 3,31
